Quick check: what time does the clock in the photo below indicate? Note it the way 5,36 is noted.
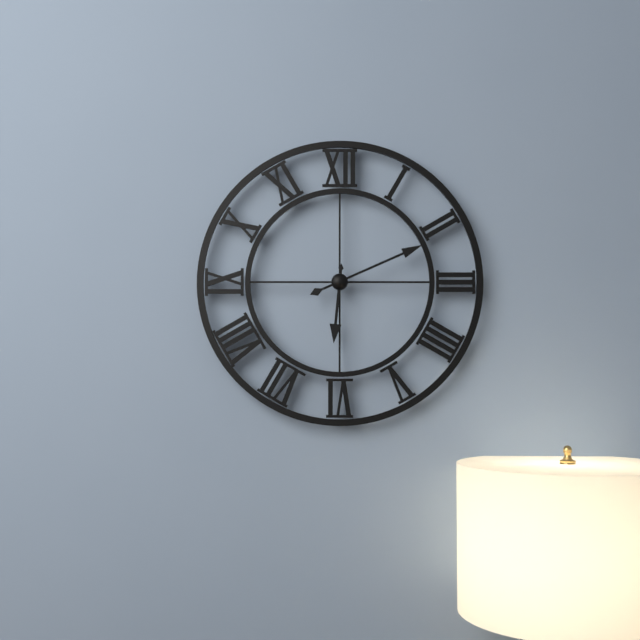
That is 6,11
